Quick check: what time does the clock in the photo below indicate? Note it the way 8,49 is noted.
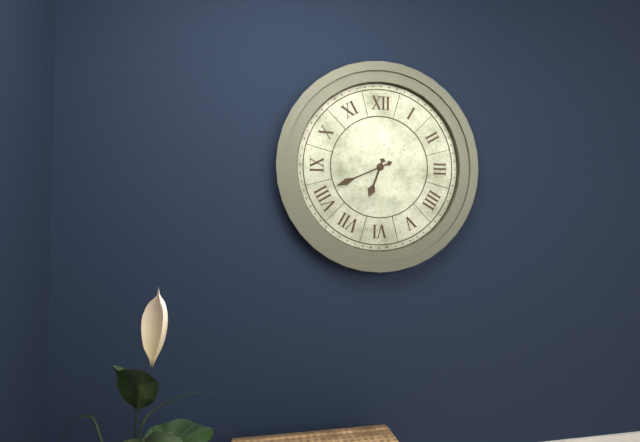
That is 6,41
